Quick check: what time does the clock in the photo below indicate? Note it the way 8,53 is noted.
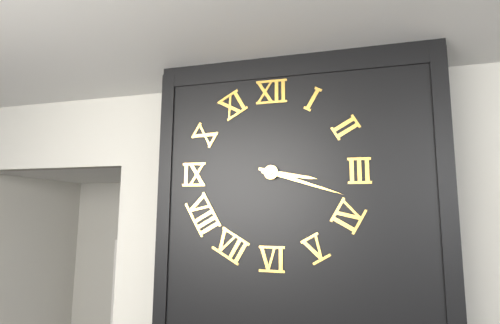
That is 3,18
